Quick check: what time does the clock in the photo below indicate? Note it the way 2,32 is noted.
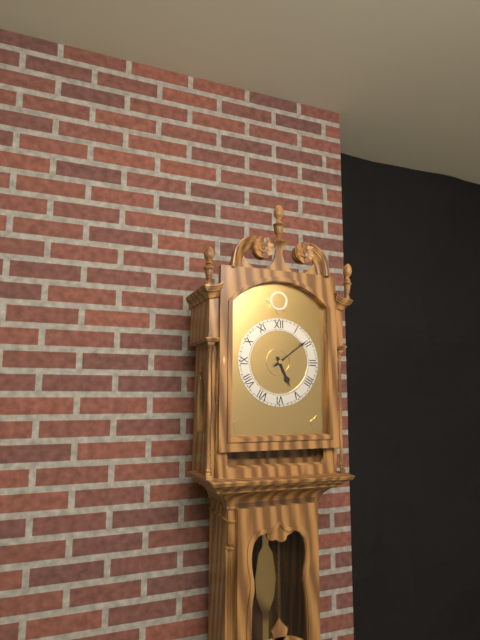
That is 5,09
